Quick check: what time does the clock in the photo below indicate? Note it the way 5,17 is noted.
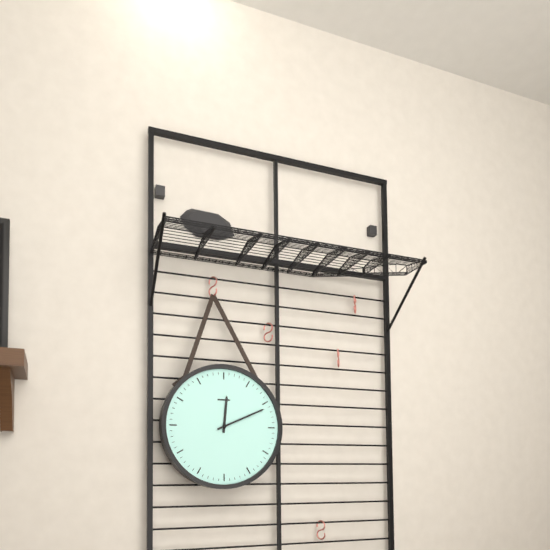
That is 12,11
